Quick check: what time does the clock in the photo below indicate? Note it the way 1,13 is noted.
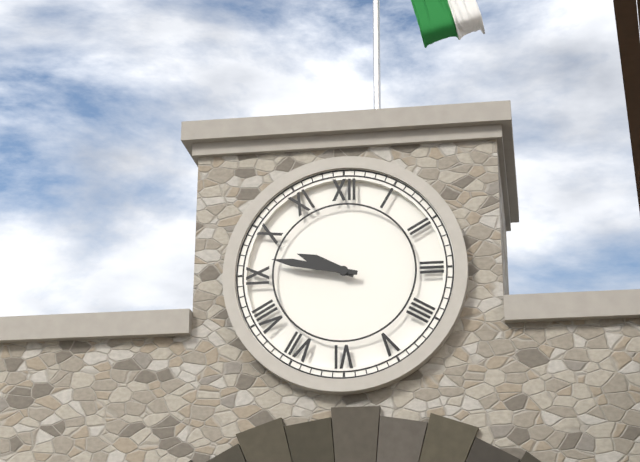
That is 9,47
